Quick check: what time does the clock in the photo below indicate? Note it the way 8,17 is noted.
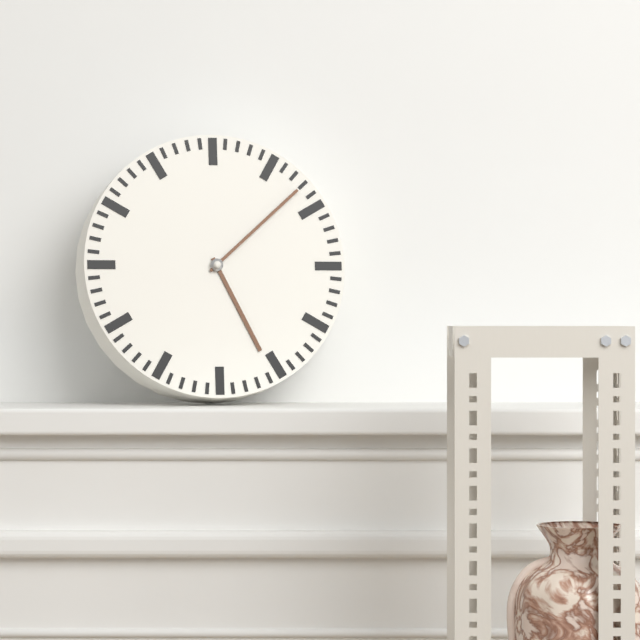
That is 5,08
